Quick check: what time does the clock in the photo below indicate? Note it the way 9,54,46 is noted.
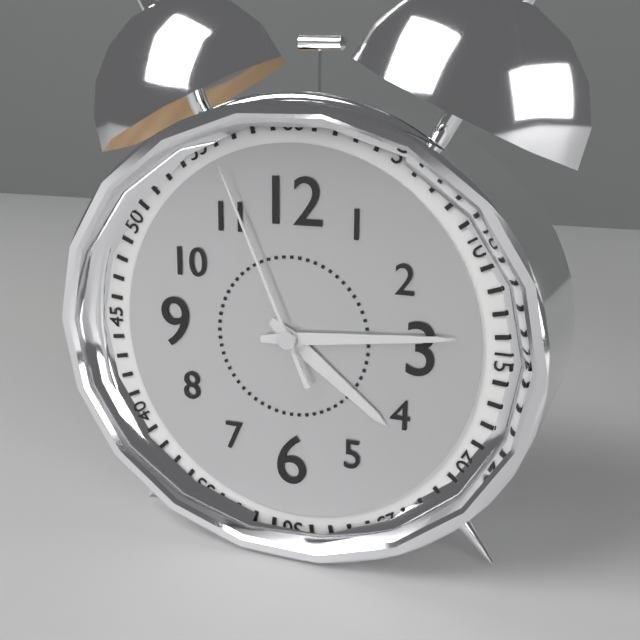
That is 4,14,56
